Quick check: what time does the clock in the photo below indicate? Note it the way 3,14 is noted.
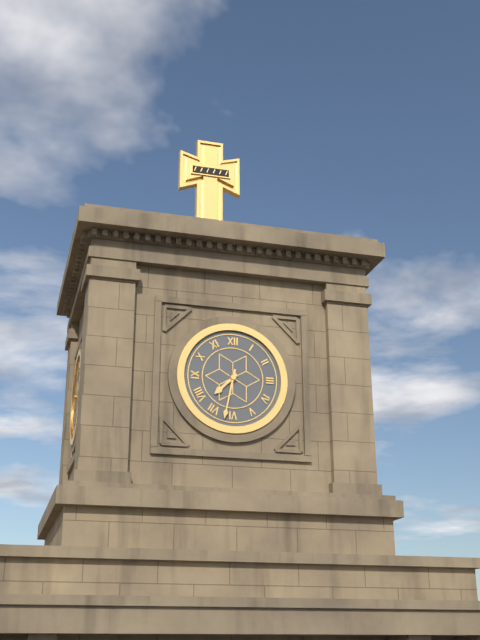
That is 7,32
